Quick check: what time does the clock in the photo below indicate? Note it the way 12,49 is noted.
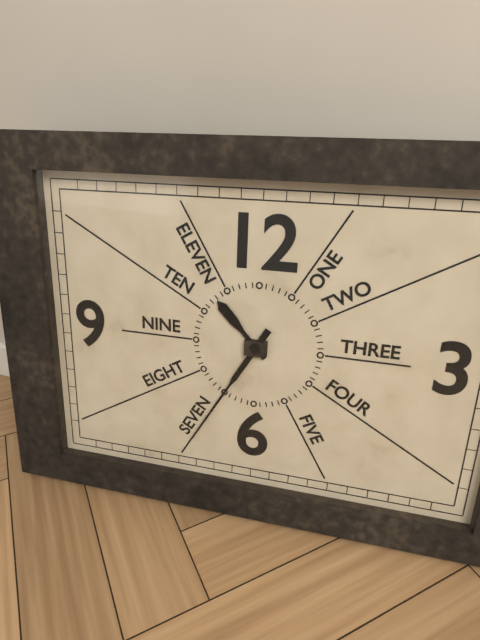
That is 10,35
